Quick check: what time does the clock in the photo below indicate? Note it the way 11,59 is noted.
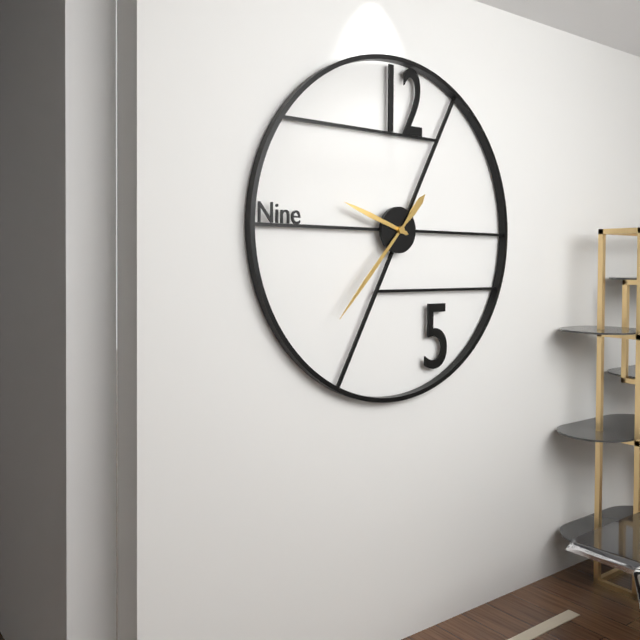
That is 9,37
